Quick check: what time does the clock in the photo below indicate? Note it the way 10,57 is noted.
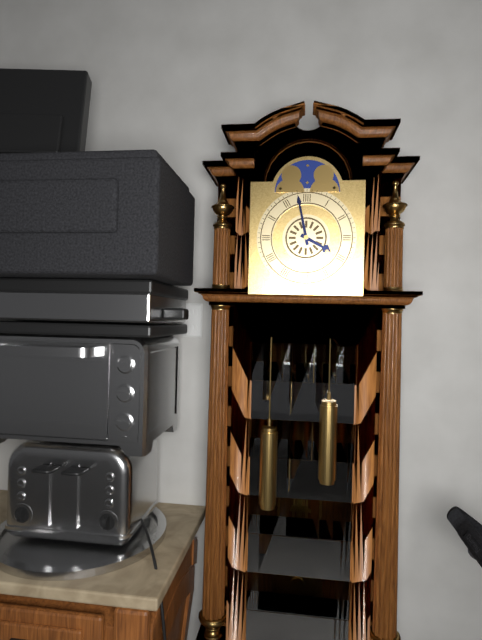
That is 3,58
